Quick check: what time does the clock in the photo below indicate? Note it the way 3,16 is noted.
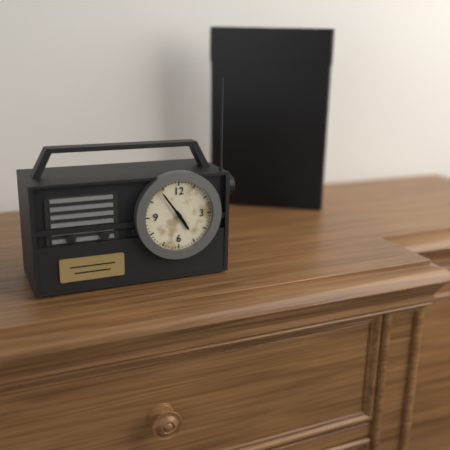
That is 4,54
